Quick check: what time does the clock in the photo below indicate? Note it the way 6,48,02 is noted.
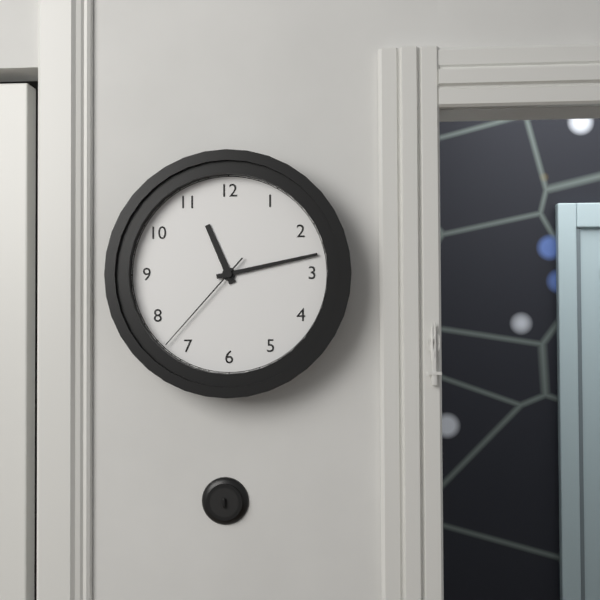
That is 11,13,37
